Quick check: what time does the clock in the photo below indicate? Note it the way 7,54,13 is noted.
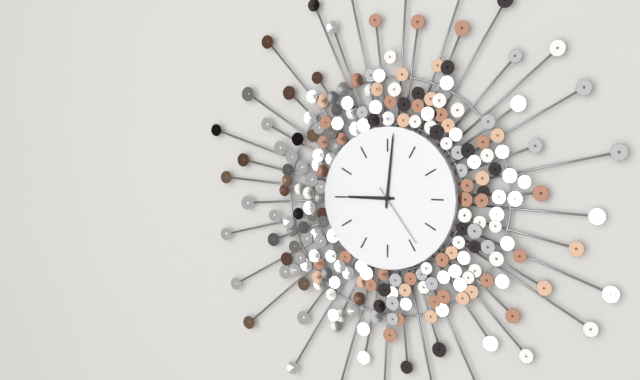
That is 9,01,24
